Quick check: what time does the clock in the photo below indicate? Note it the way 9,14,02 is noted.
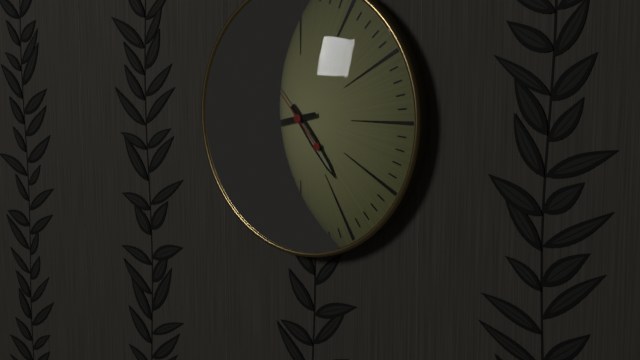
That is 4,43,53
